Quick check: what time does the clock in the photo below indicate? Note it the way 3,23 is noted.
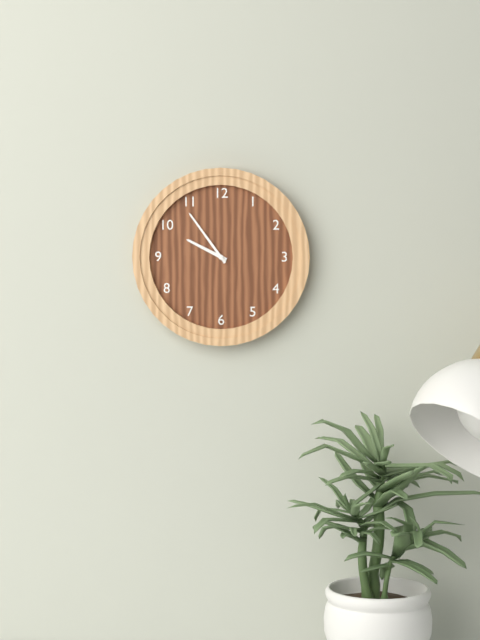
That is 9,54
